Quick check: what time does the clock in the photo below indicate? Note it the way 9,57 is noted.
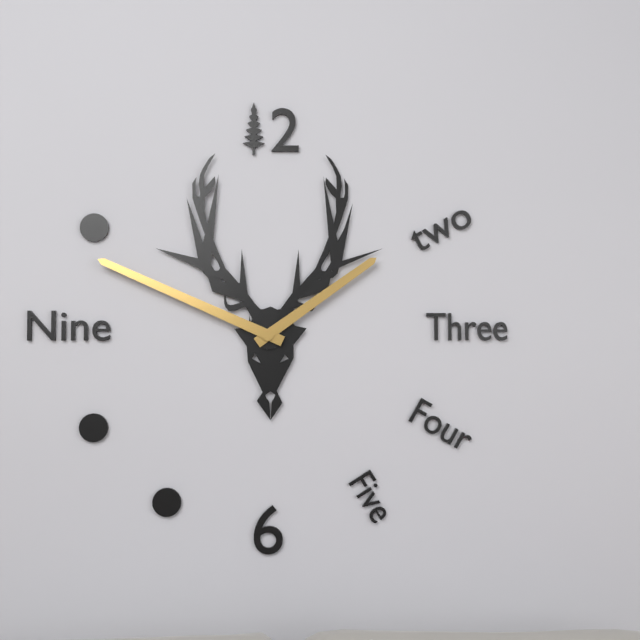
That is 1,49
